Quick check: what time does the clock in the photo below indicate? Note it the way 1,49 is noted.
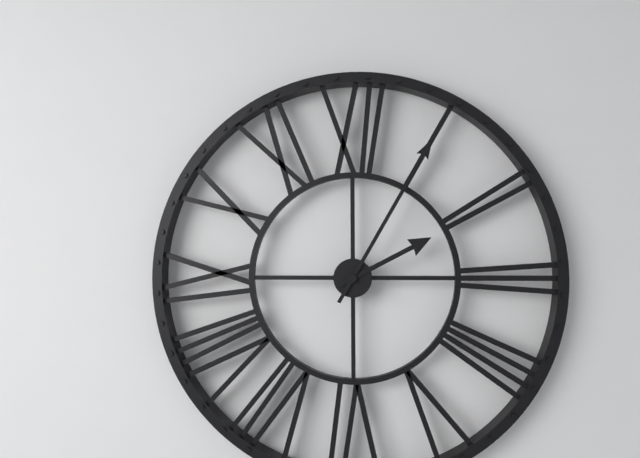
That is 2,05
